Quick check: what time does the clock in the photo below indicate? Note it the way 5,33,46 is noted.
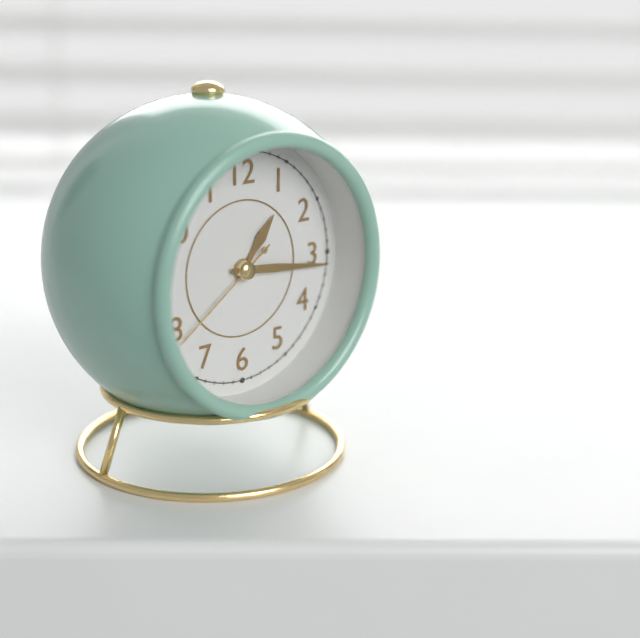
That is 1,16,39
